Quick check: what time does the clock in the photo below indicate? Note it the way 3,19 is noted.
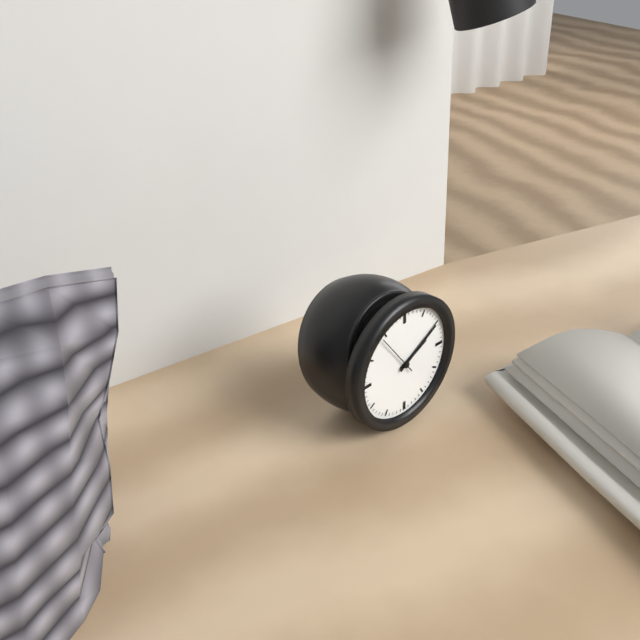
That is 2,10
